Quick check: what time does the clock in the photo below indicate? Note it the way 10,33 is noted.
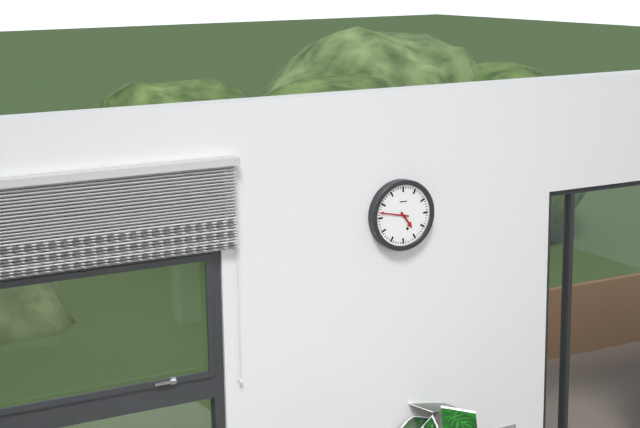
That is 4,47
